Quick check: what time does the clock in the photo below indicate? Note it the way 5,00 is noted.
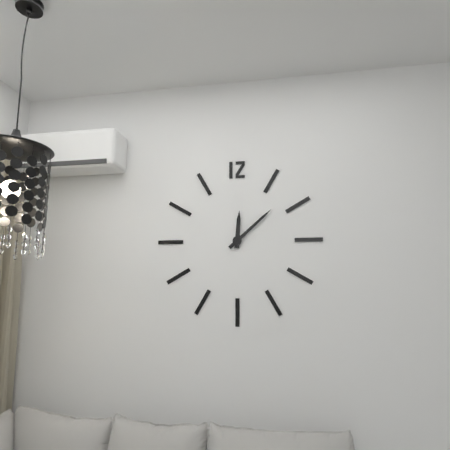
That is 12,08
